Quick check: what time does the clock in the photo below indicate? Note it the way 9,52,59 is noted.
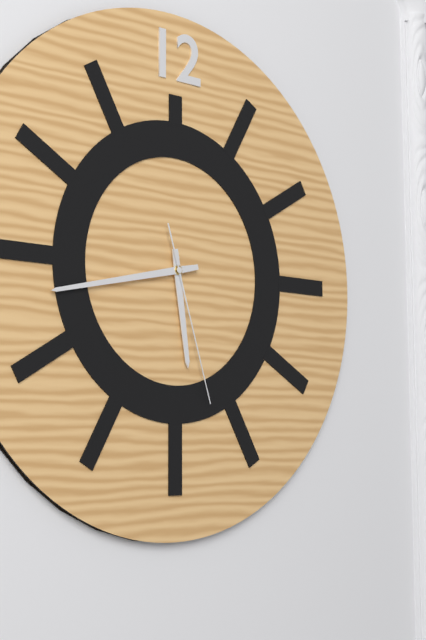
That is 5,43,27
